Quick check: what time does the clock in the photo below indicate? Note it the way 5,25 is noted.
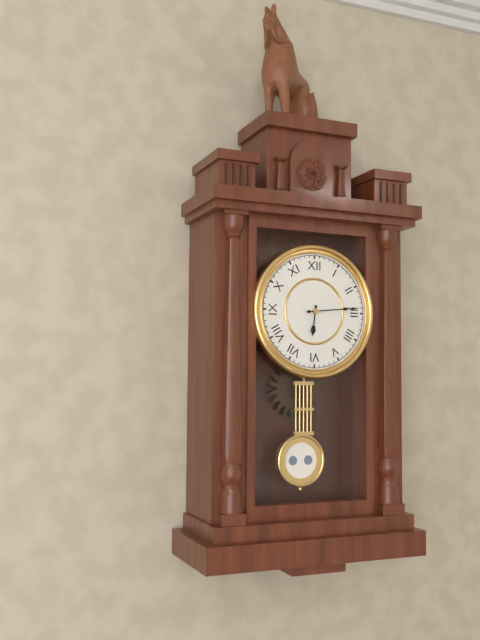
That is 6,14
